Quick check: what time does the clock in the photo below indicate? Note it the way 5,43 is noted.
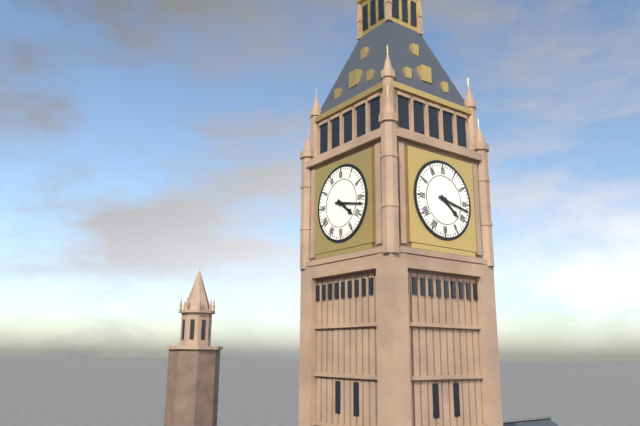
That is 4,17
